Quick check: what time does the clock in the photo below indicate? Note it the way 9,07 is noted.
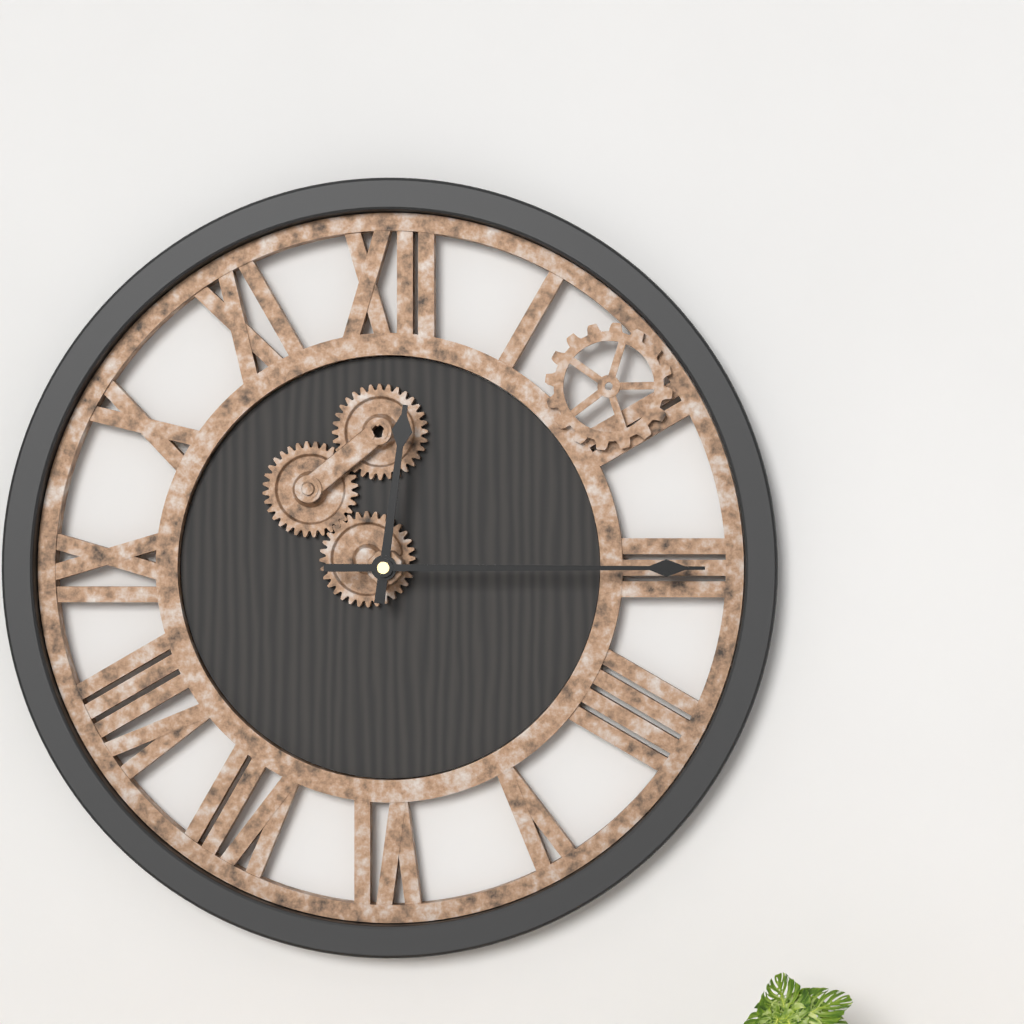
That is 12,15
